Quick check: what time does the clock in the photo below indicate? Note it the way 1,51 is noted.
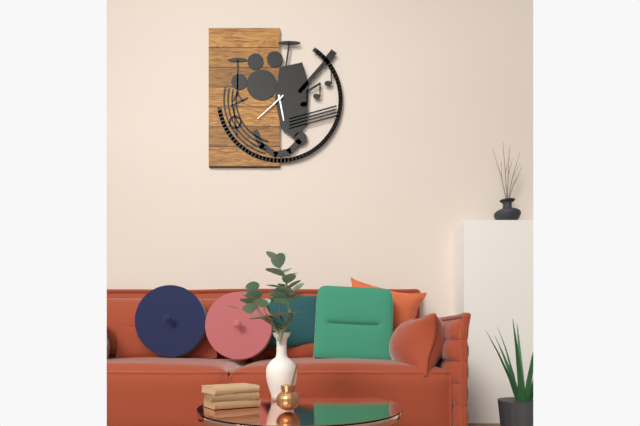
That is 5,38
